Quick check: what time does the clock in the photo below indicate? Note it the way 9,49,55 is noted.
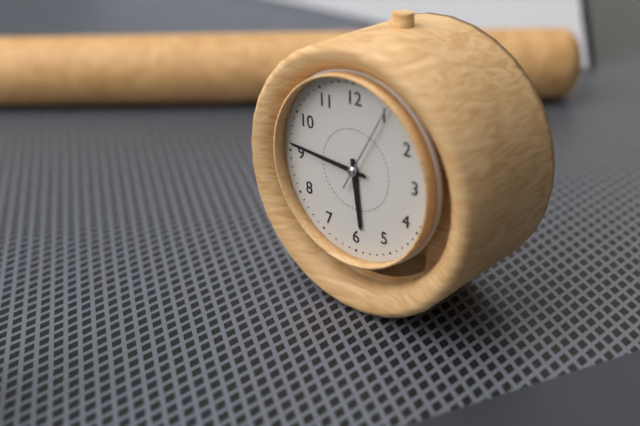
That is 5,46,05
